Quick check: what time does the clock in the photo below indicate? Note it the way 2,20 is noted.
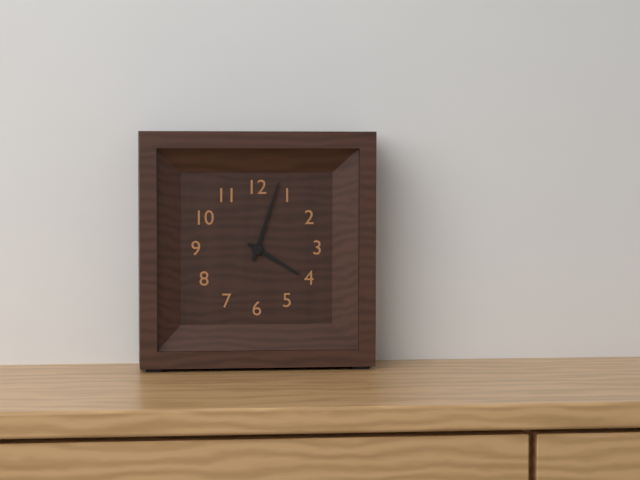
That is 4,03
